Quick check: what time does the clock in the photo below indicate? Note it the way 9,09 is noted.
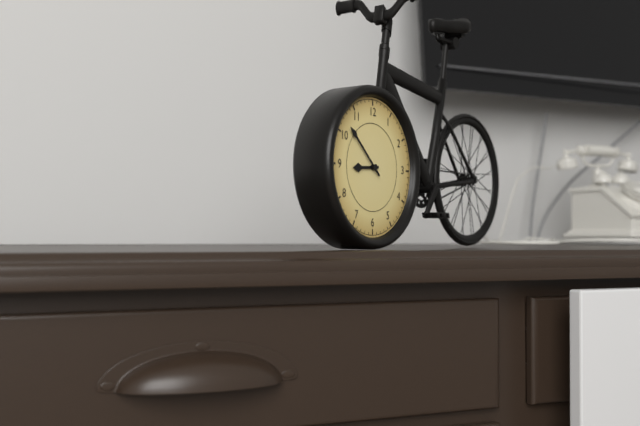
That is 8,52
